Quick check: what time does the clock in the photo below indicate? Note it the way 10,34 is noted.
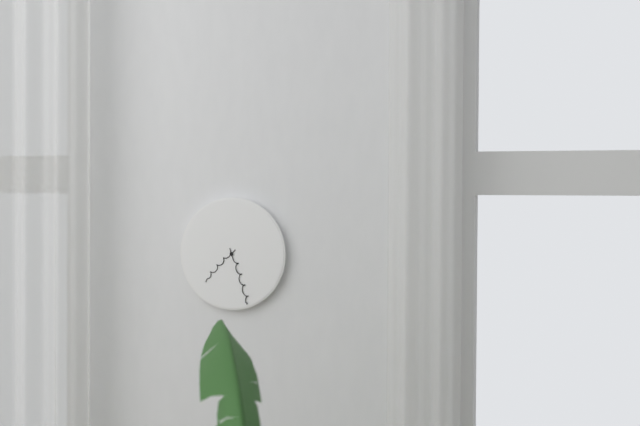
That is 7,27
